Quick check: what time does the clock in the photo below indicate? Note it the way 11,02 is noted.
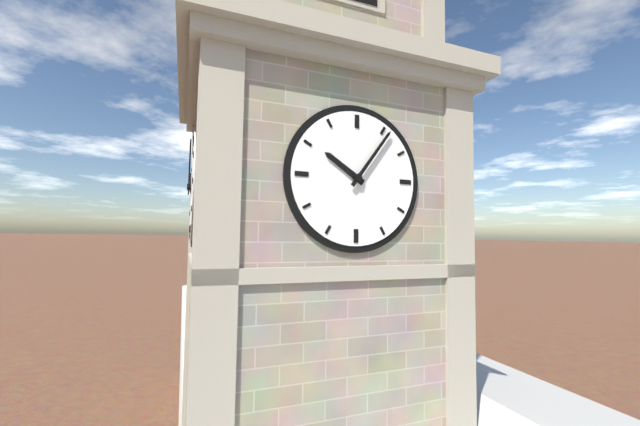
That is 10,06
